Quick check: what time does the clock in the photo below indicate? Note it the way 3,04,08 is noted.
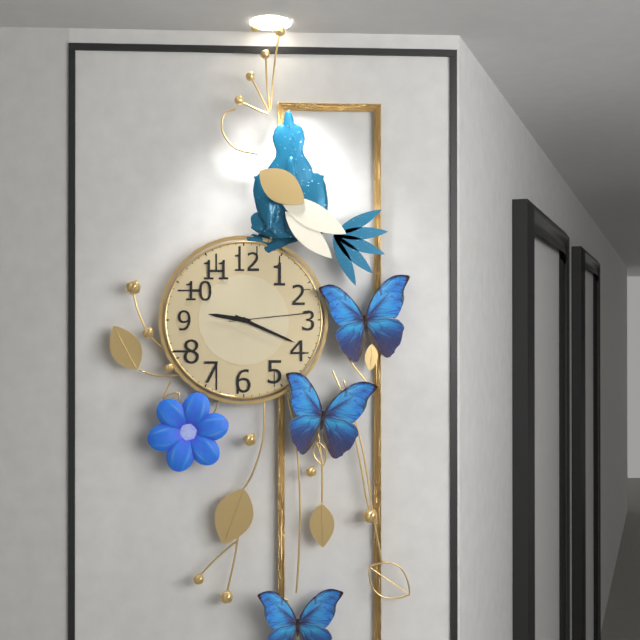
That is 9,19,14
